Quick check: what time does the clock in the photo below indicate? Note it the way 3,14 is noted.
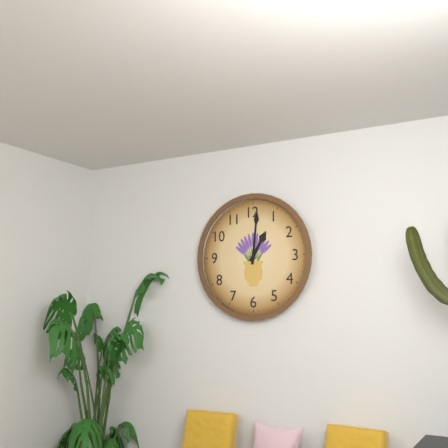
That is 1,01
